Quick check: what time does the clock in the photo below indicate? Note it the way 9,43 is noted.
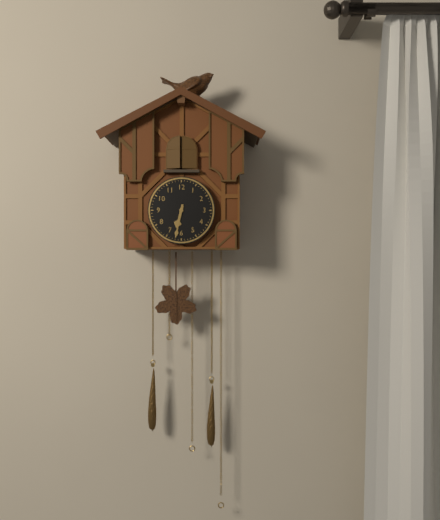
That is 6,32
